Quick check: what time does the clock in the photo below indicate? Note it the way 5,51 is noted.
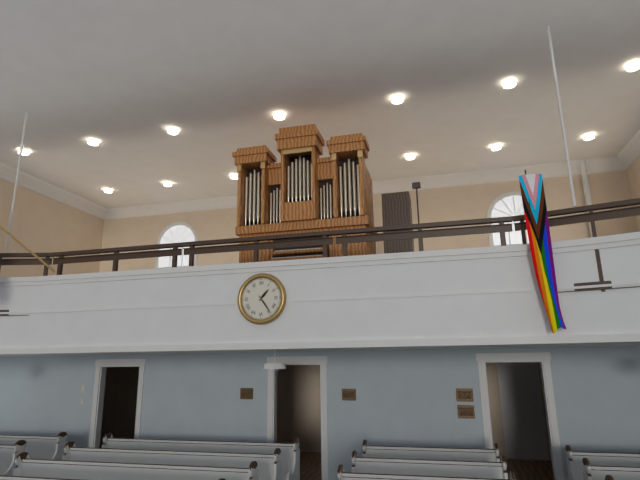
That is 1,24
